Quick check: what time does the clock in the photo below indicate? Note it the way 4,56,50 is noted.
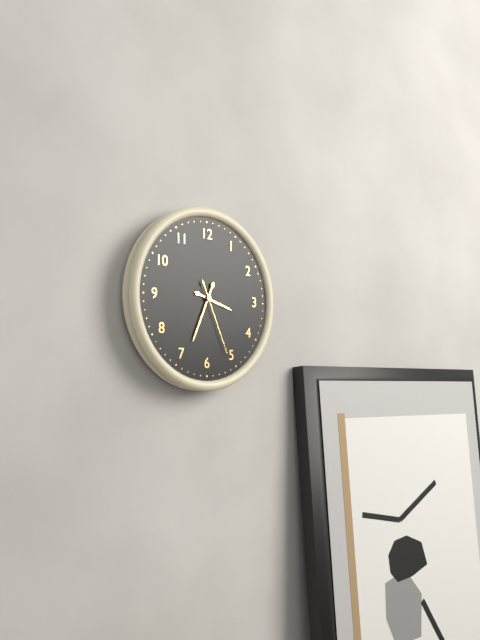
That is 3,34,26
